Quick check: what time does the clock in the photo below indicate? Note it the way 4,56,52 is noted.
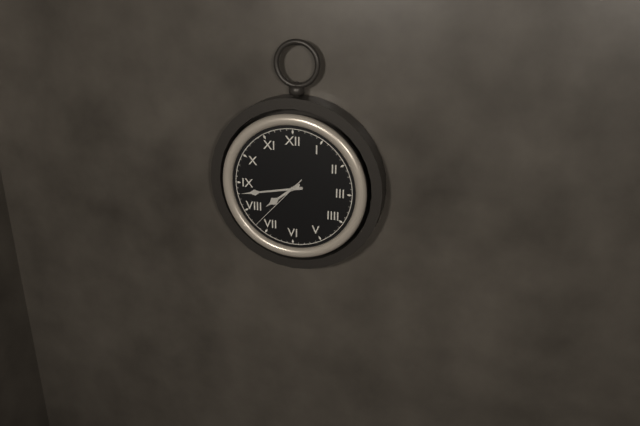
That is 7,43,37
